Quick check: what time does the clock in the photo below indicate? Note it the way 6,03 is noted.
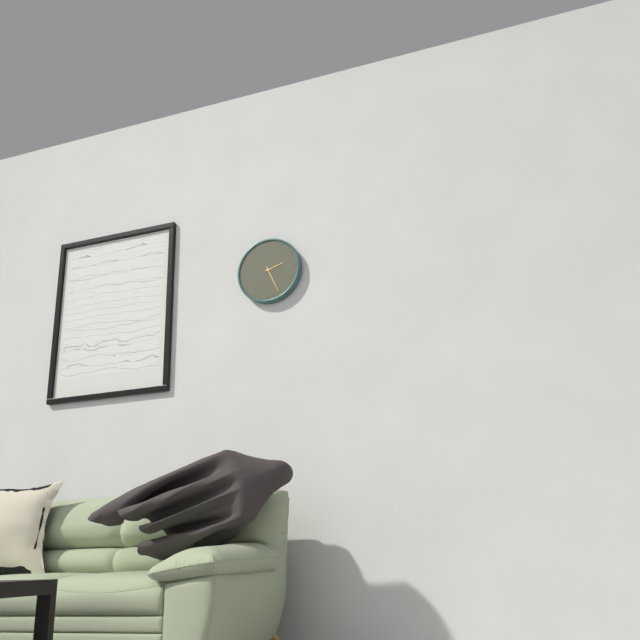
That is 2,26
